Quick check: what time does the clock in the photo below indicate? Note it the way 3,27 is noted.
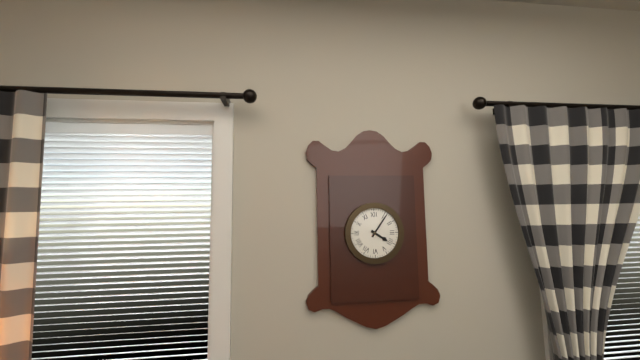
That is 4,06
